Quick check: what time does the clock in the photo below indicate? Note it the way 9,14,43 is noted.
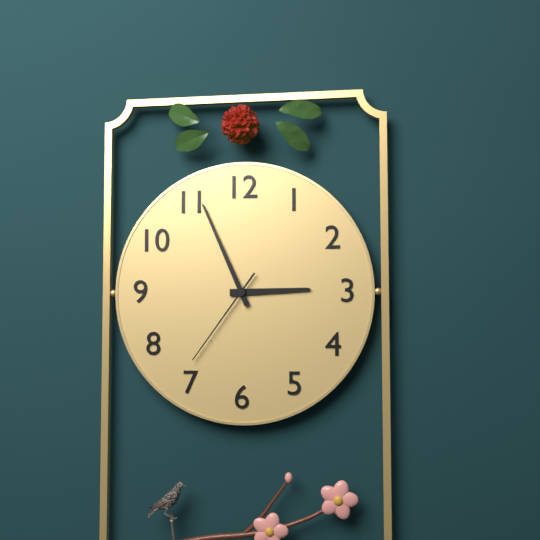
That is 2,56,36
